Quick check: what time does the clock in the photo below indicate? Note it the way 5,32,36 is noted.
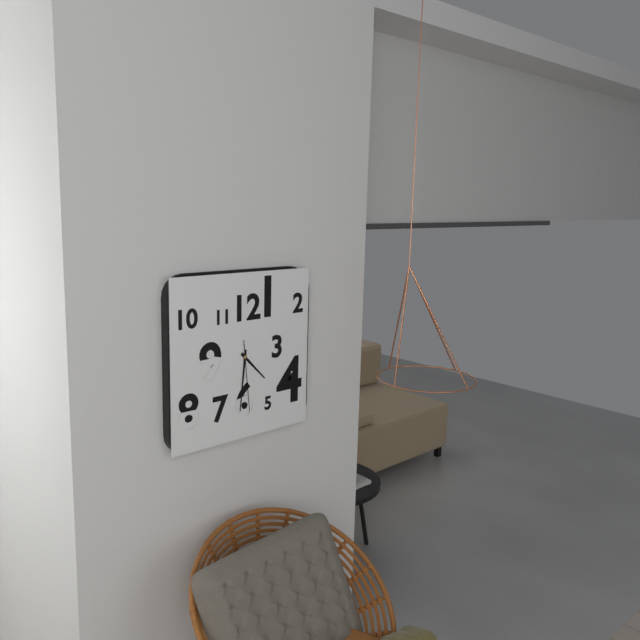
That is 4,31,29
